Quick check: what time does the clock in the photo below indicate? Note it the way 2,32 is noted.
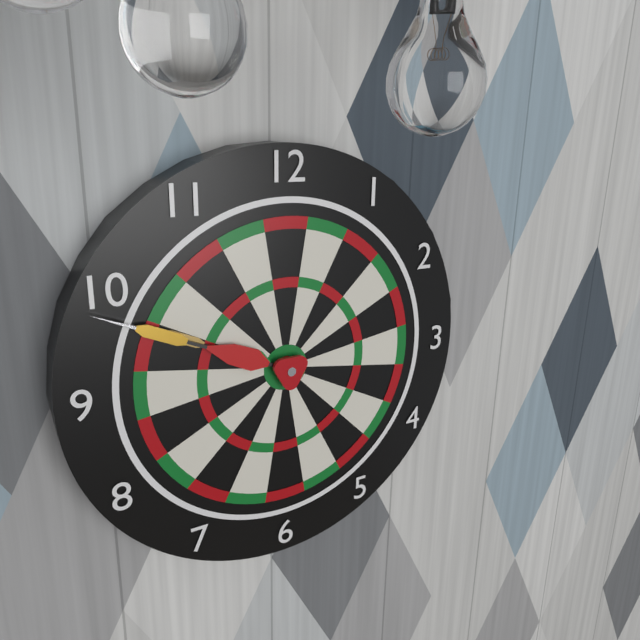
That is 9,49
